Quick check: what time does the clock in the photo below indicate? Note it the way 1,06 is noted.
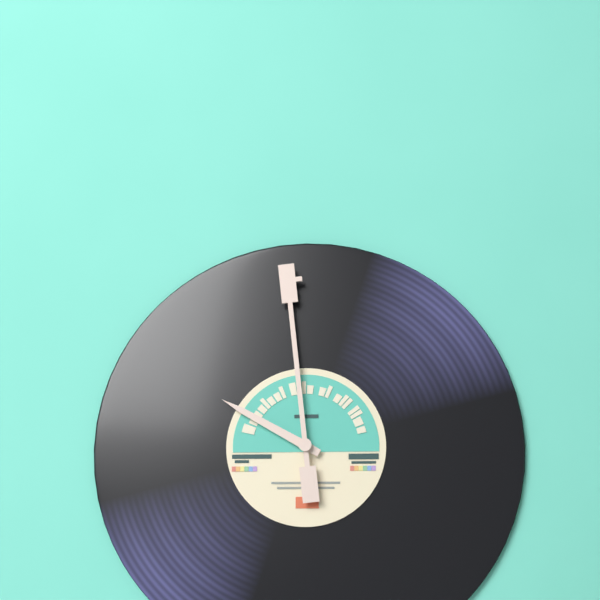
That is 9,59
